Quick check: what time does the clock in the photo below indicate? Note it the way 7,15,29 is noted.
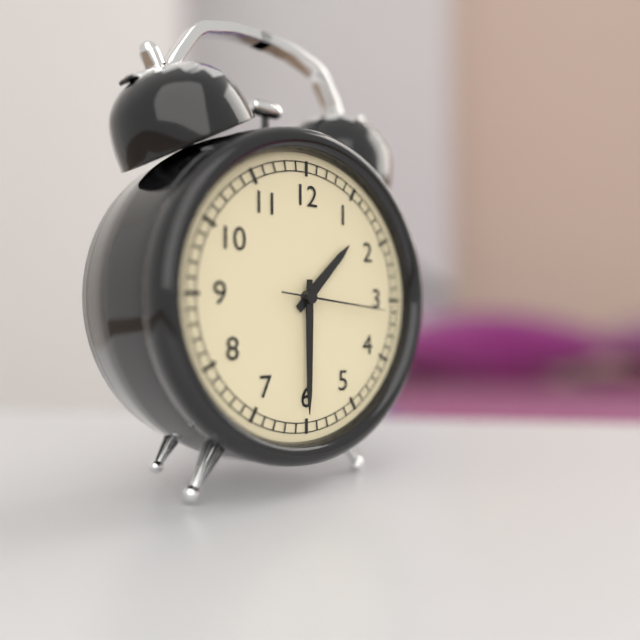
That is 1,30,16
